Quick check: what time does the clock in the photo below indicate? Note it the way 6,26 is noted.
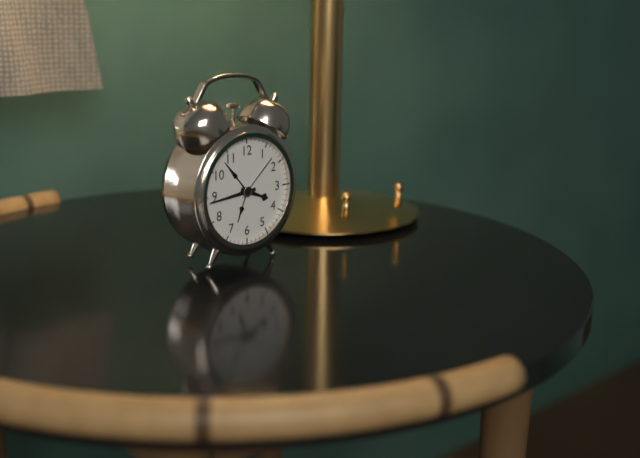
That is 3,44
